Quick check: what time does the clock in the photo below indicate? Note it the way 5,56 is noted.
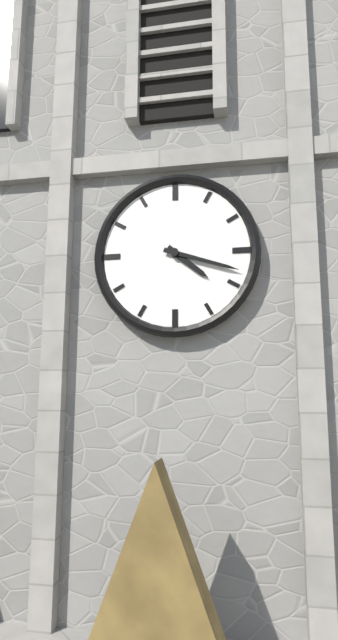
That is 4,18
